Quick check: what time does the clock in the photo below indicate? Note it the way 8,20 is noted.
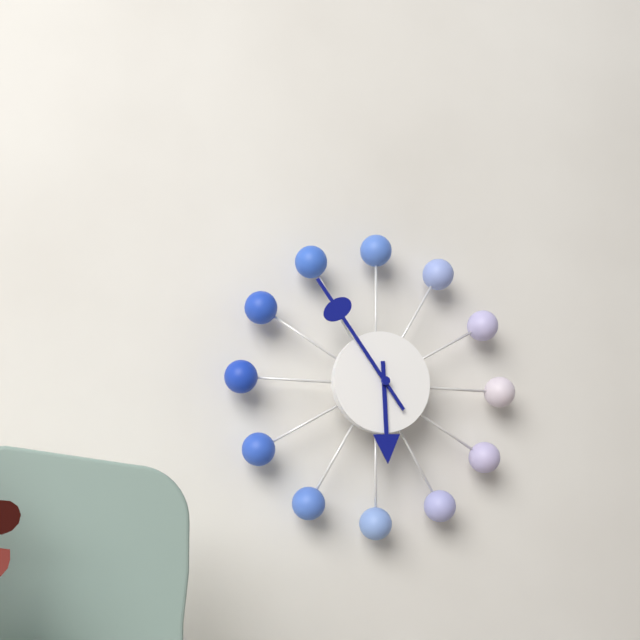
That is 5,54
